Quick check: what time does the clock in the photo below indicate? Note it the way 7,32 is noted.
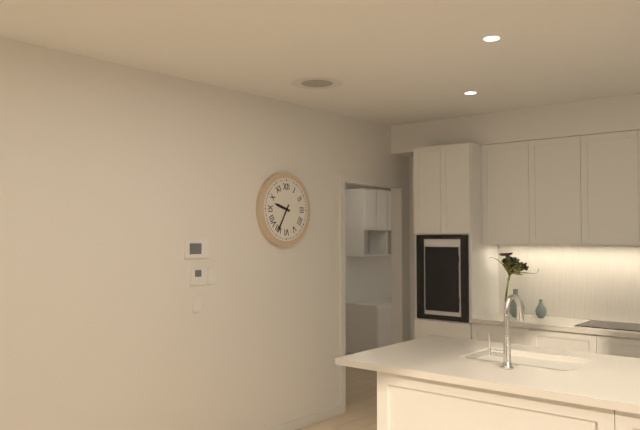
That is 9,35
